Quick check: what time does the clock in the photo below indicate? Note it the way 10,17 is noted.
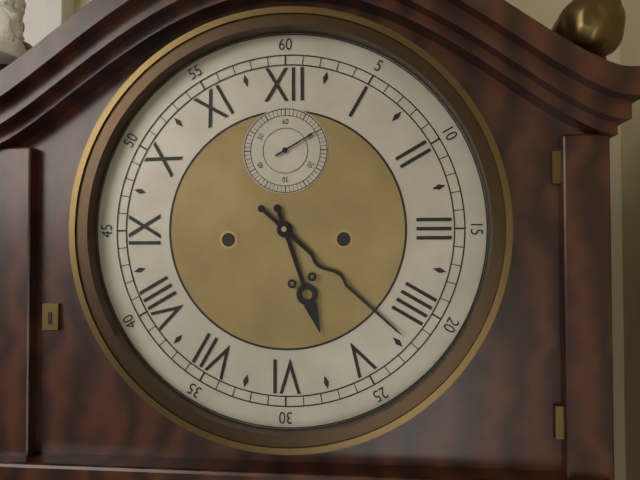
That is 5,22
